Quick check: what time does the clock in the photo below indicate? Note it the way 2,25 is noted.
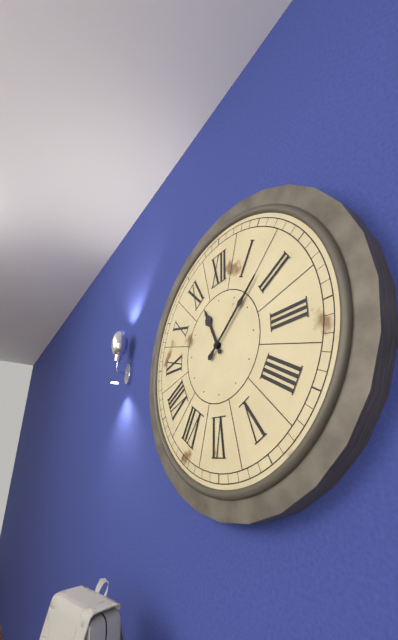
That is 11,08
